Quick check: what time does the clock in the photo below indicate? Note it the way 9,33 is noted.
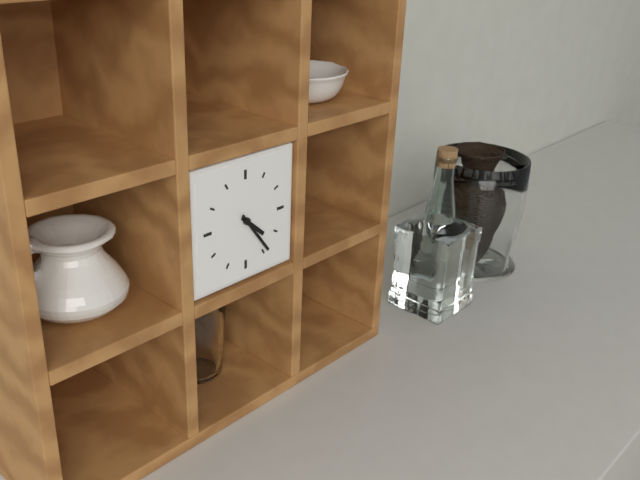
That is 4,24
